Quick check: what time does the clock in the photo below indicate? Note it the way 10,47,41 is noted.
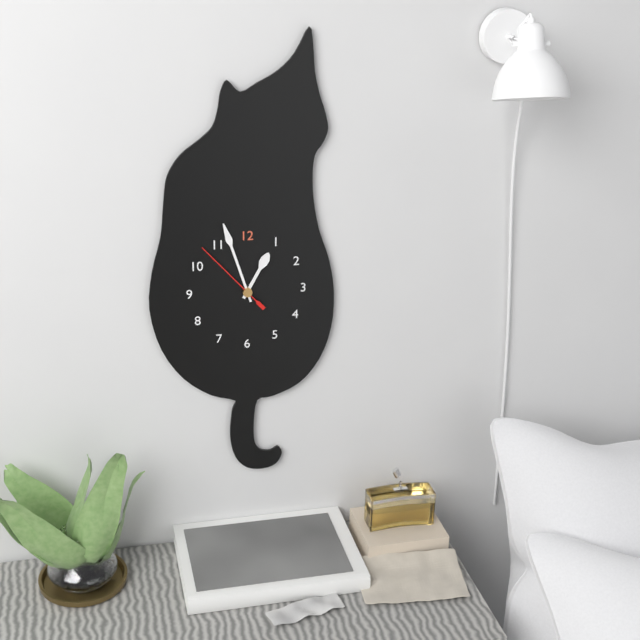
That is 12,57,53
